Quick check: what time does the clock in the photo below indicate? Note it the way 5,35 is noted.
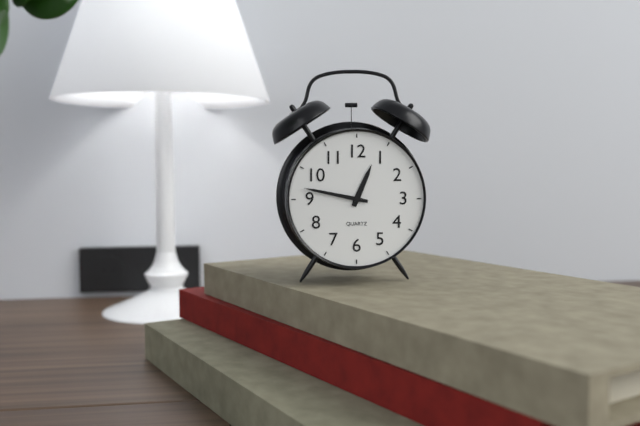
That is 12,47
